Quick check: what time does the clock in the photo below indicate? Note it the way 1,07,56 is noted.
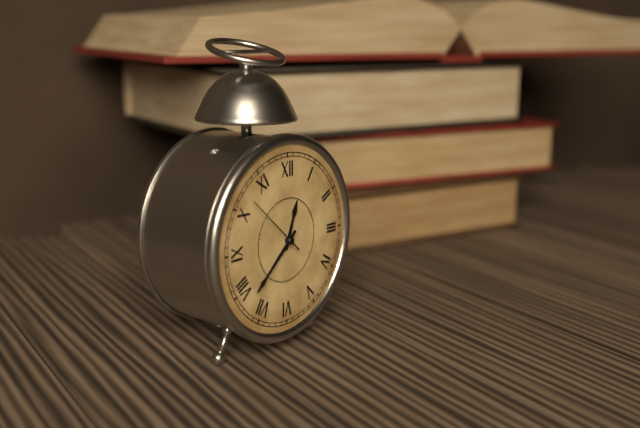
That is 12,38,52
